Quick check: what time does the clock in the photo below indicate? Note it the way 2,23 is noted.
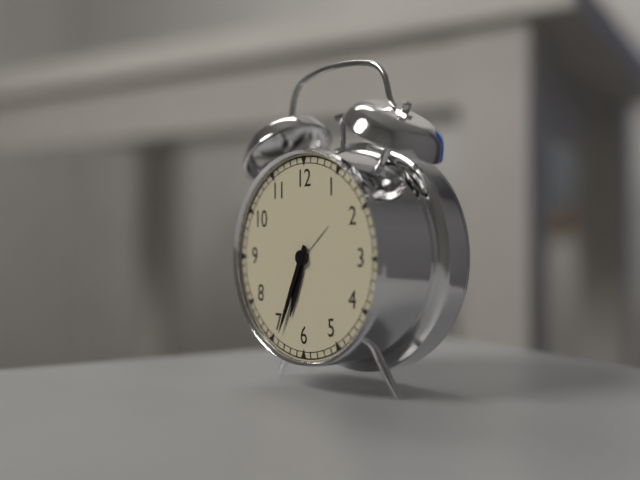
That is 6,34
